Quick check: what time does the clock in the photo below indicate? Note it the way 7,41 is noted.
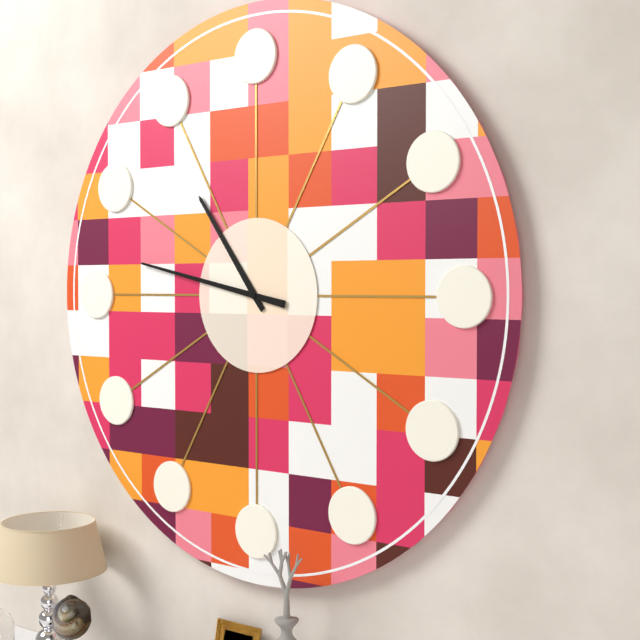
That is 10,47
